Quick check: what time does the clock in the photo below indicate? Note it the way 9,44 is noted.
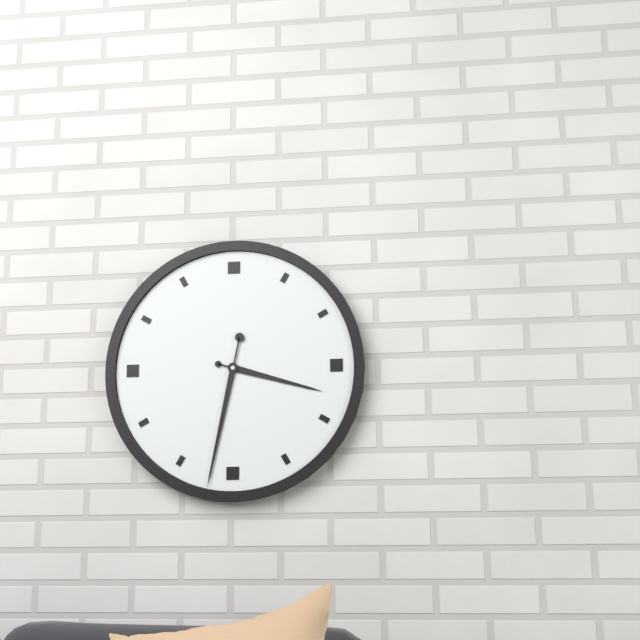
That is 3,32
